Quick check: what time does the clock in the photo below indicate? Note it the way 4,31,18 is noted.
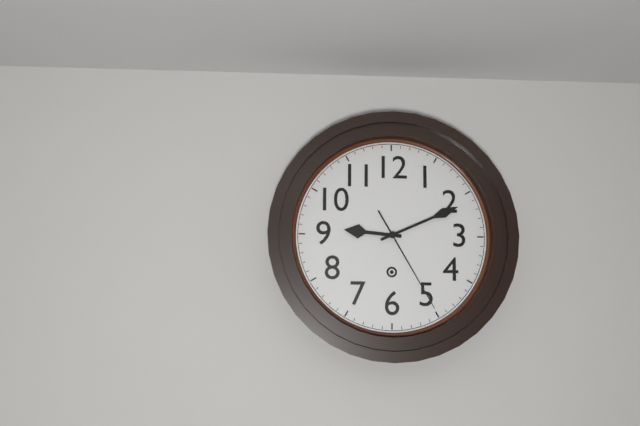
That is 9,11,25
